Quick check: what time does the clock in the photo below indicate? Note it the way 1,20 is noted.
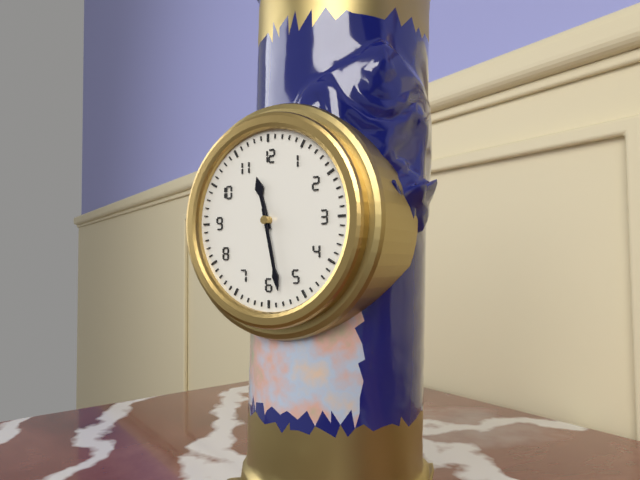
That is 11,28
